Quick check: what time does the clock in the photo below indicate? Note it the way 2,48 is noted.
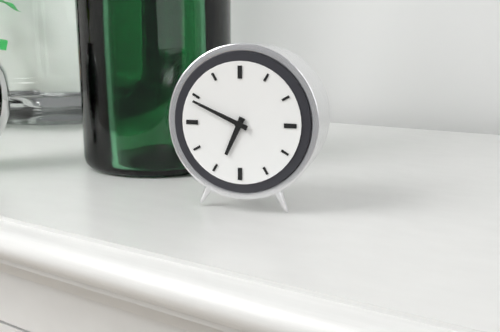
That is 6,49
